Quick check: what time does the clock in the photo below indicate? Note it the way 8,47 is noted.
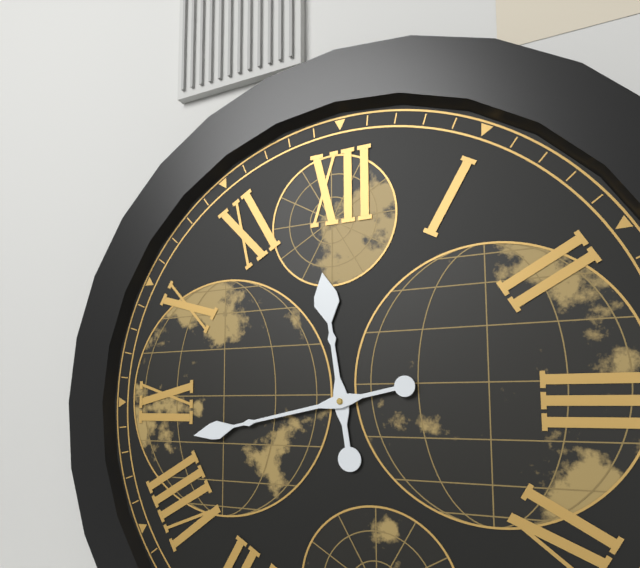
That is 11,43
